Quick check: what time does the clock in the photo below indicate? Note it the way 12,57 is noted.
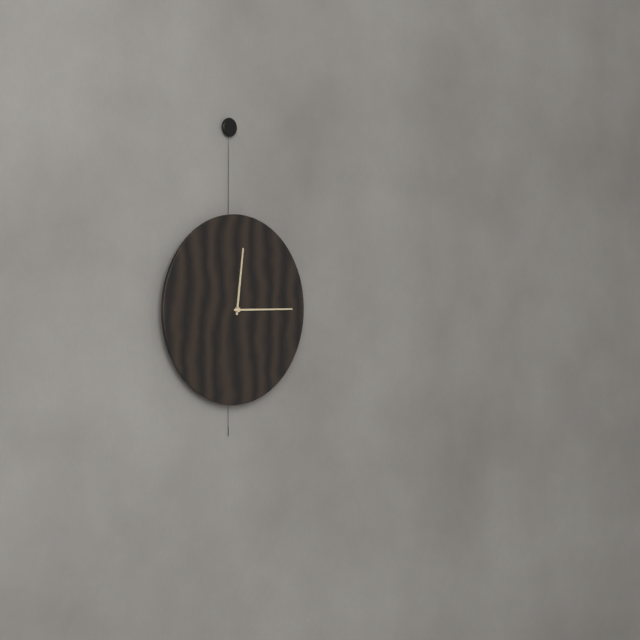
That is 12,15
